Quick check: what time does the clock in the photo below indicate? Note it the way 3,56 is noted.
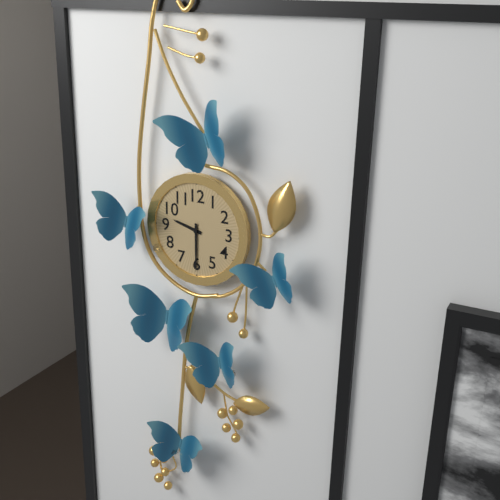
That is 9,30
